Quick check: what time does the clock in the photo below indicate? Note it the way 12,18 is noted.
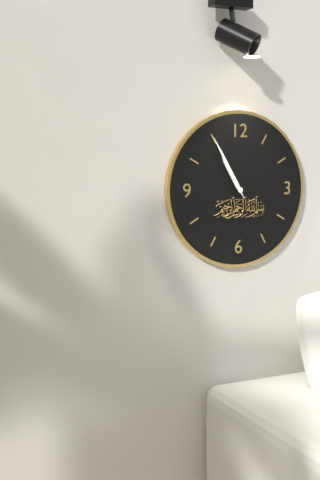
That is 10,55
